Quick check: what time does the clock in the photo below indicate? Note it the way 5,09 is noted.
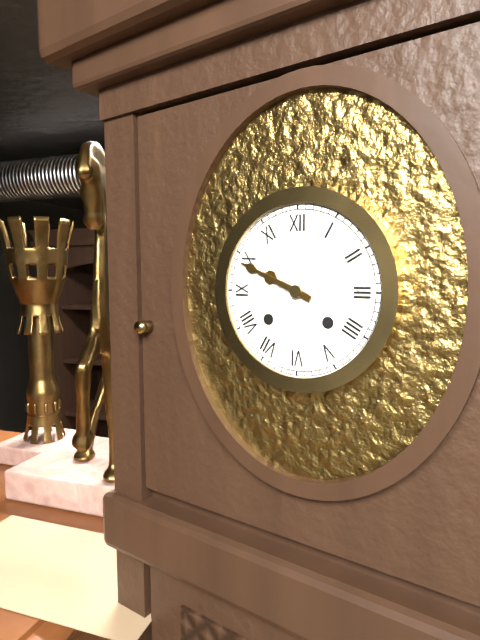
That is 9,49
